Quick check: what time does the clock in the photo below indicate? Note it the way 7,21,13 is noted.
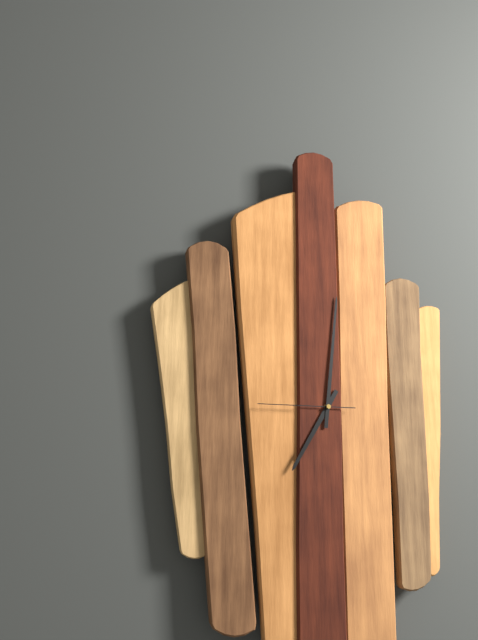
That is 7,01,45
